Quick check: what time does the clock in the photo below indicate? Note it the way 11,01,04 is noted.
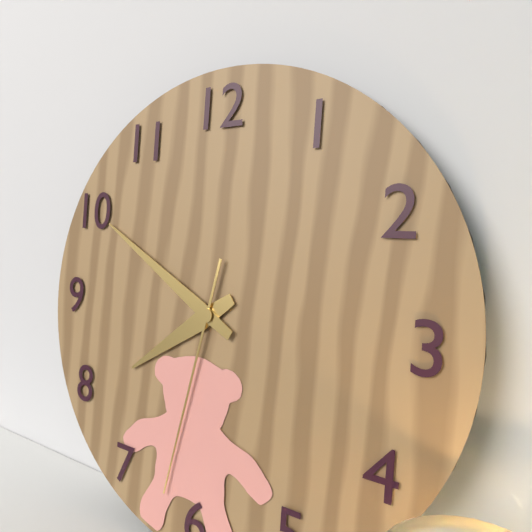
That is 7,50,32
